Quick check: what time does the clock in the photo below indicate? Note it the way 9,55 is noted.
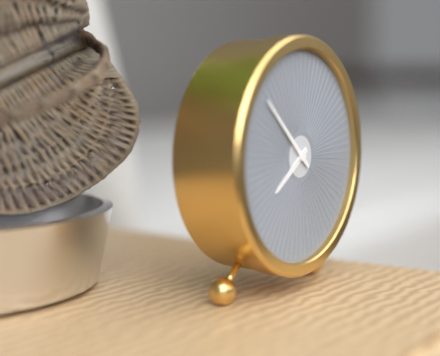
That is 7,52
